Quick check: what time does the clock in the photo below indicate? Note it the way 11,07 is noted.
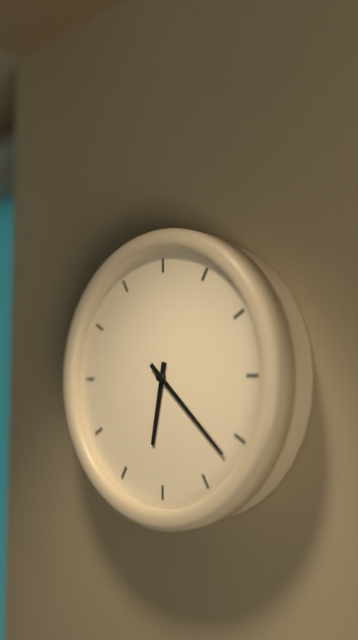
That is 6,22
